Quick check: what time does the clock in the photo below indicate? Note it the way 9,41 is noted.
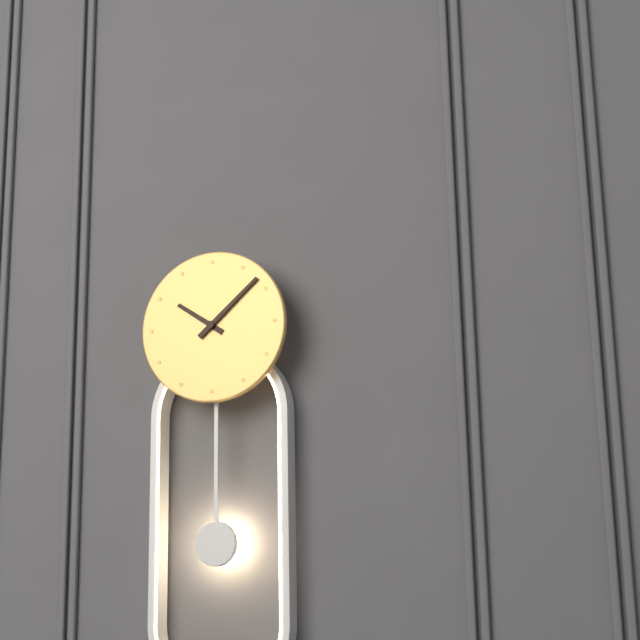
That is 10,08
